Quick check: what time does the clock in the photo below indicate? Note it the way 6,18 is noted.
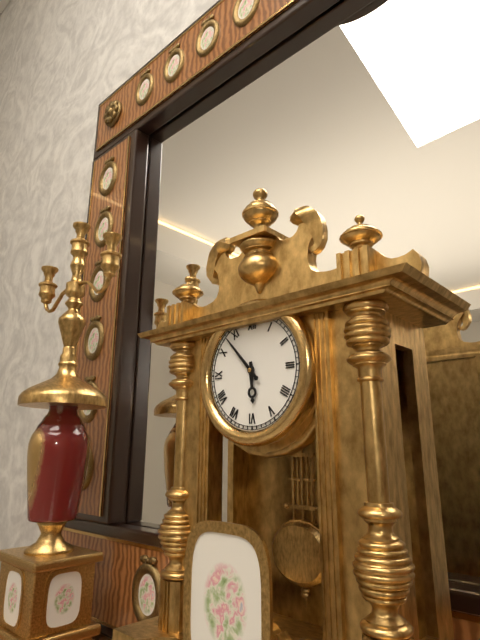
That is 5,53
